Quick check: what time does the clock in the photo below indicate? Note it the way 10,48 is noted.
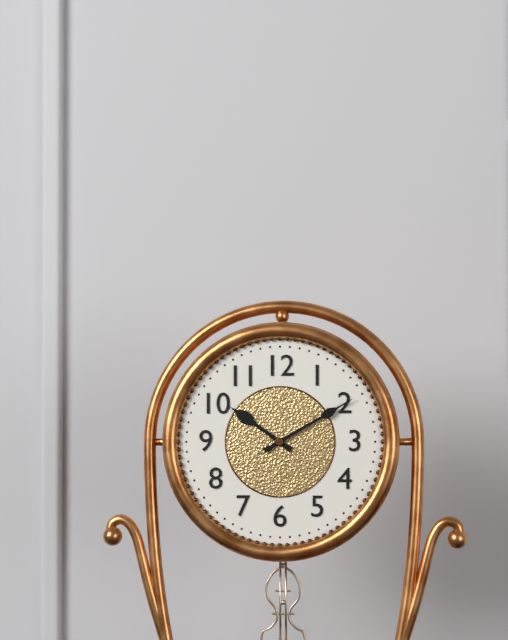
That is 10,10
